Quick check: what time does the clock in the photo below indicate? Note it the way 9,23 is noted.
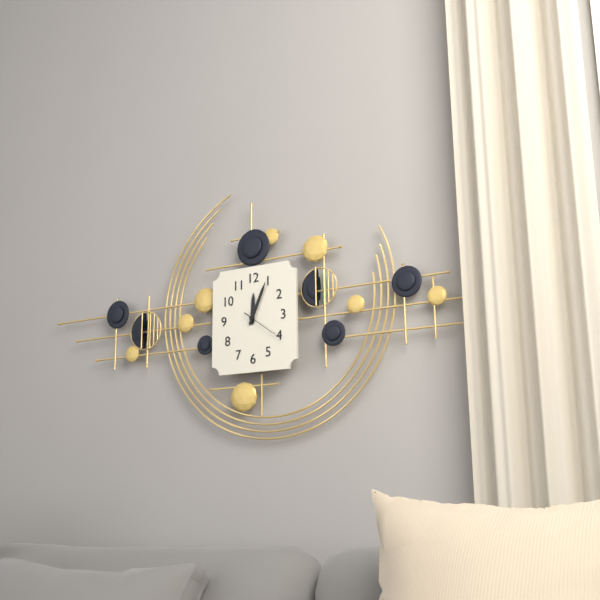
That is 12,04
